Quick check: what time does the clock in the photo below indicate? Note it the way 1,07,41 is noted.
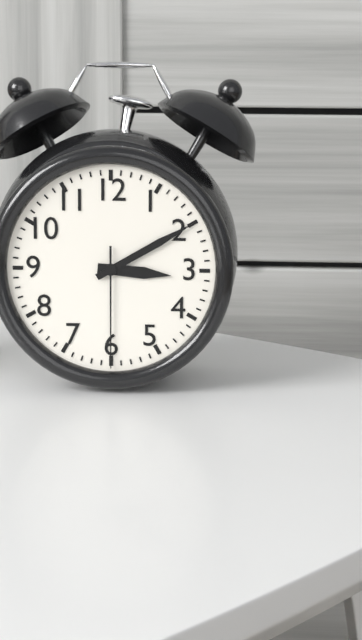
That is 3,10,30
